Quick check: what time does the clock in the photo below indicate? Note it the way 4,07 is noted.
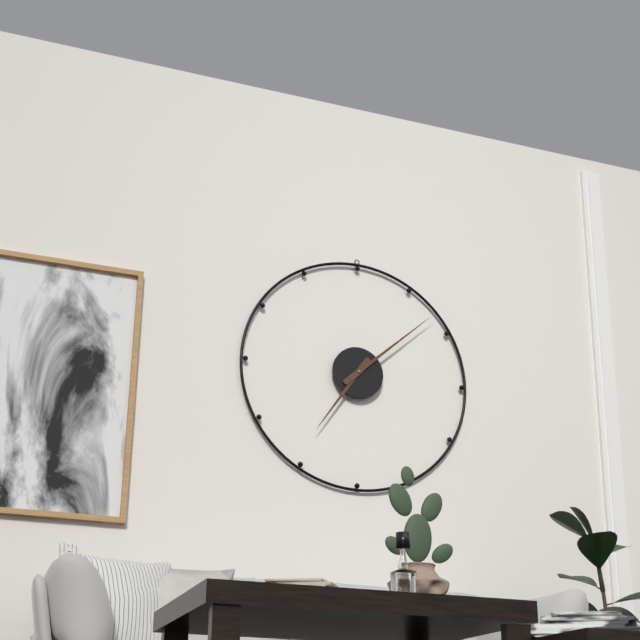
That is 7,08
